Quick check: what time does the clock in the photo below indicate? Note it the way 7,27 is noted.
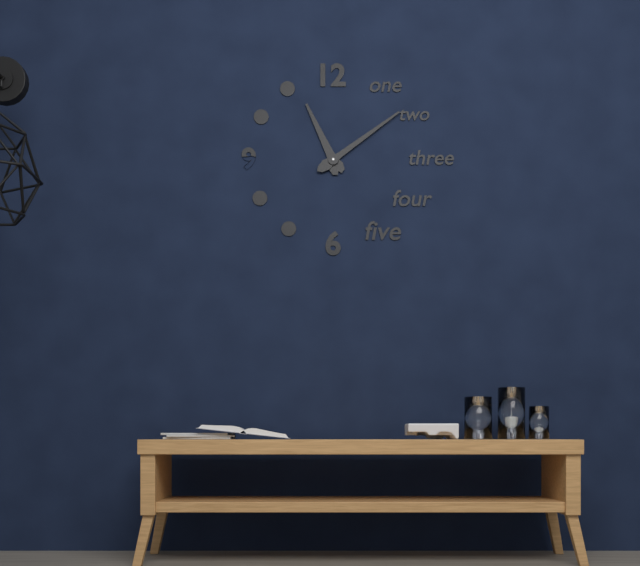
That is 11,09
